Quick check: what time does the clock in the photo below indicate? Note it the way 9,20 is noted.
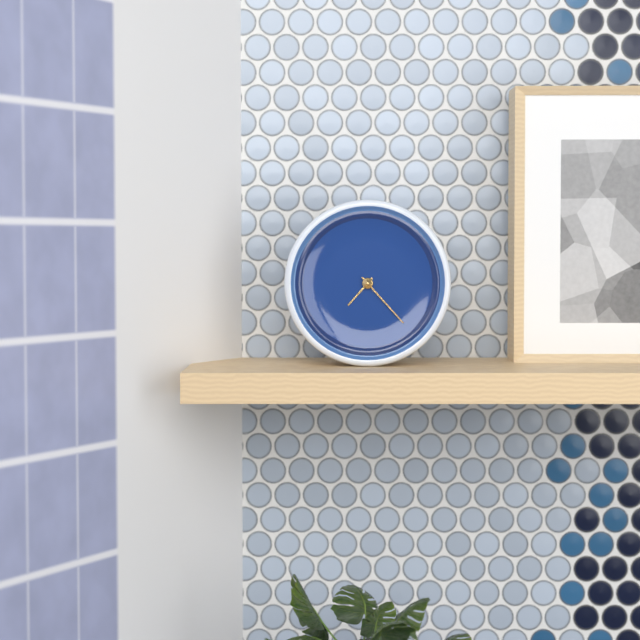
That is 7,23
